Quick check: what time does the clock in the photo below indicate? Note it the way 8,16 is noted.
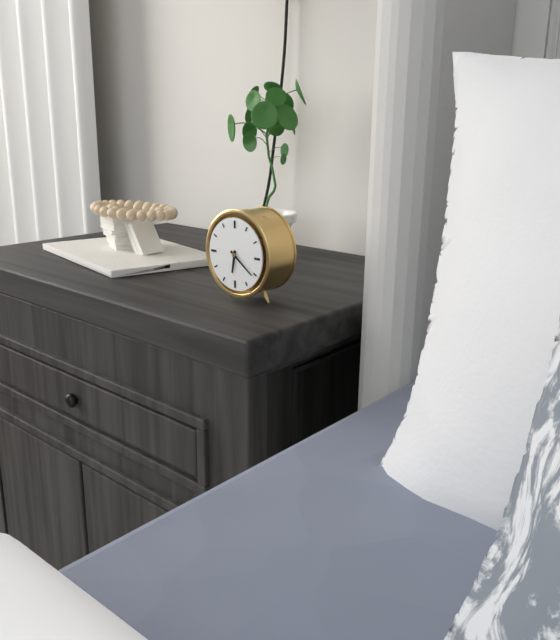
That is 6,21
